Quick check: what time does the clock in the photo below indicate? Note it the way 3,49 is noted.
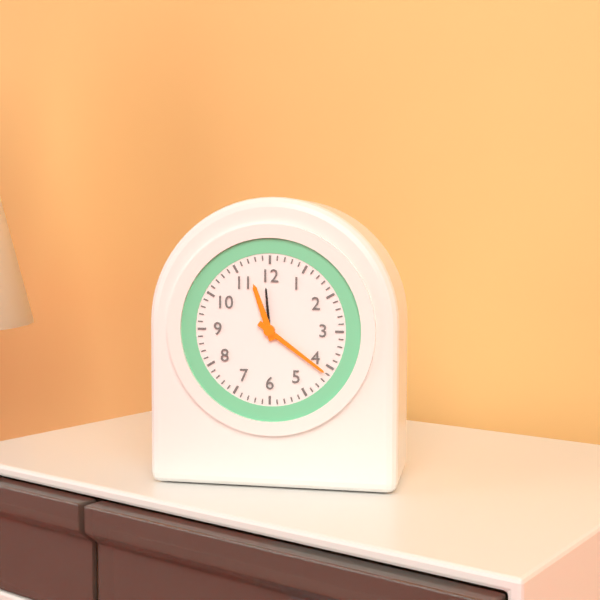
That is 11,21
